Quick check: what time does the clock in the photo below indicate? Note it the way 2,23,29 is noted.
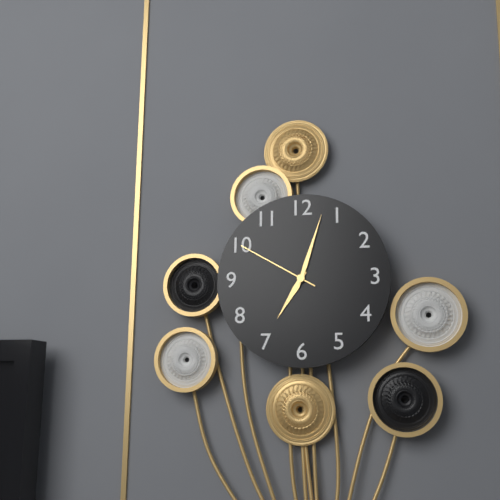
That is 7,03,50
